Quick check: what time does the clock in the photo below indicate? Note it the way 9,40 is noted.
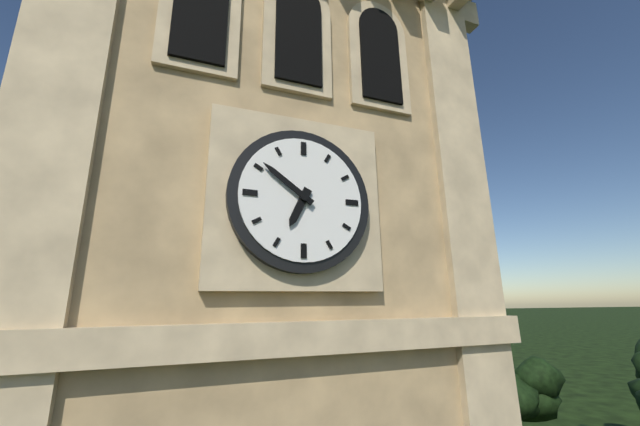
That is 6,51
